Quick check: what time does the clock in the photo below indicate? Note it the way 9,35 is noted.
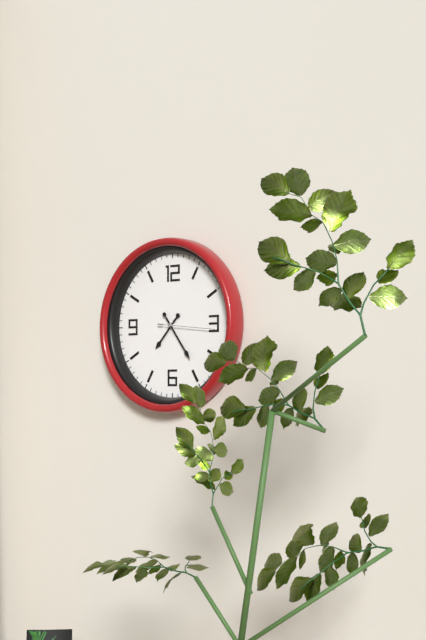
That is 7,24
